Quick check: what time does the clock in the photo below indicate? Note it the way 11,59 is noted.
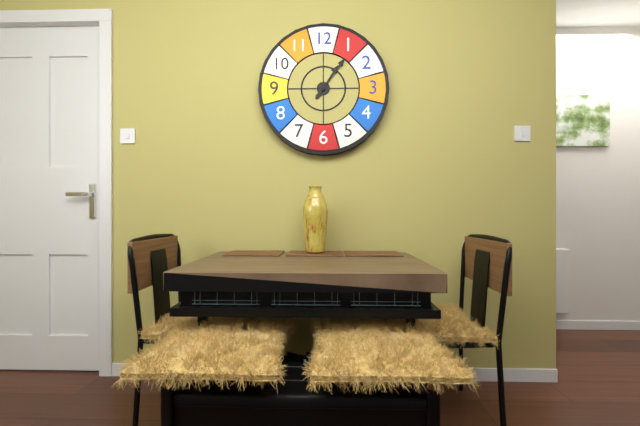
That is 1,06
